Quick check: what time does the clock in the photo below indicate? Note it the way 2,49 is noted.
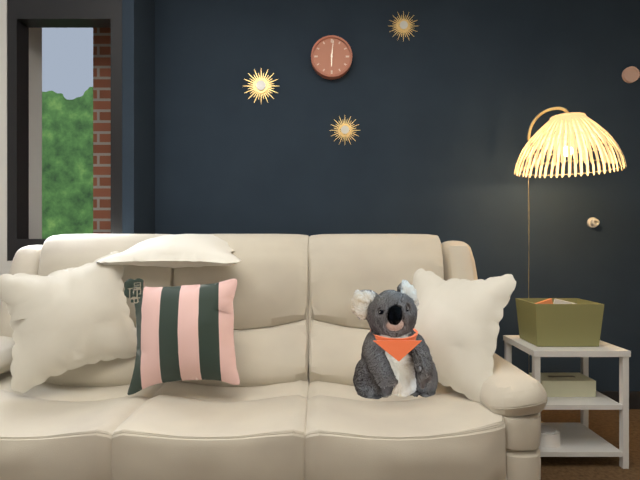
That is 6,01
